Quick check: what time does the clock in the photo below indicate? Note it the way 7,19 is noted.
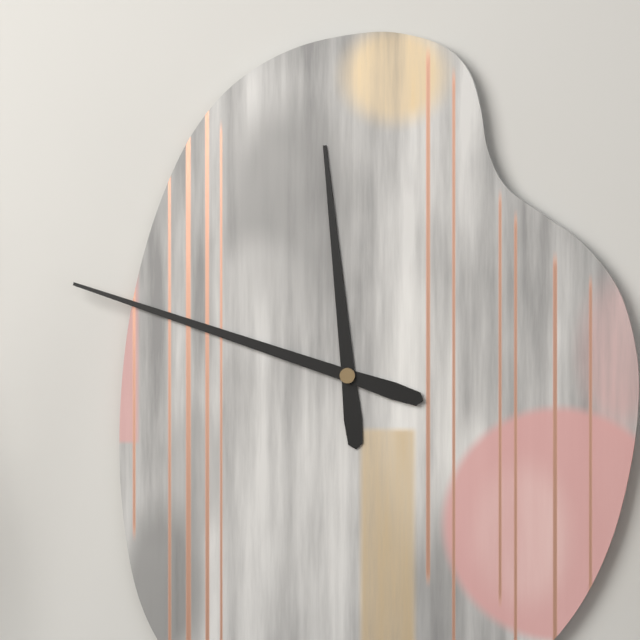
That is 11,48
